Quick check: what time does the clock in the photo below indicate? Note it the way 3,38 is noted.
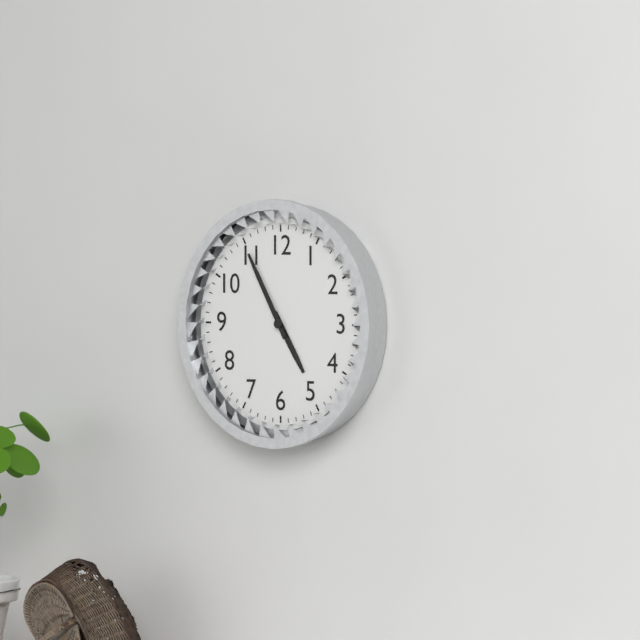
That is 4,55
